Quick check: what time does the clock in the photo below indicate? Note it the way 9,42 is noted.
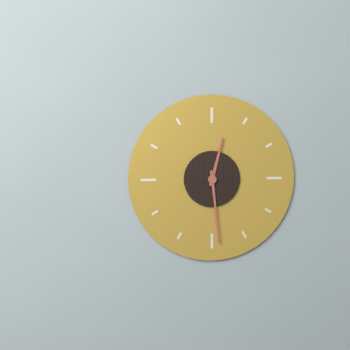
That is 12,29
